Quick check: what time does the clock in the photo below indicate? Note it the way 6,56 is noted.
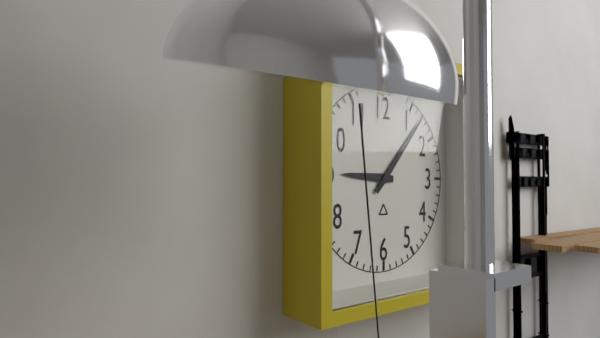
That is 9,07
